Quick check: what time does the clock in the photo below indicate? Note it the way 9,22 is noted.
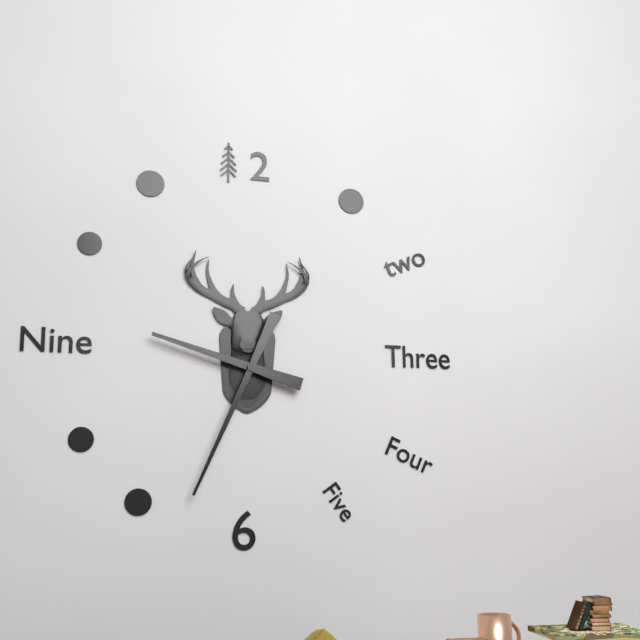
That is 9,34
